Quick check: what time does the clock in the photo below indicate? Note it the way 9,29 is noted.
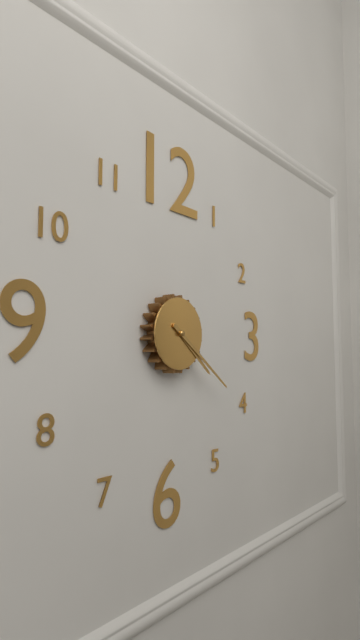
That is 4,21
